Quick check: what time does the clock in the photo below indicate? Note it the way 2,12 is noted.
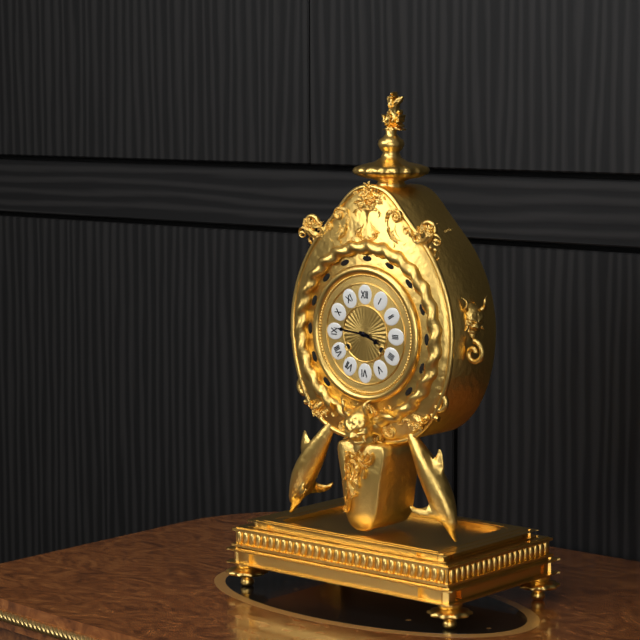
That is 3,46
